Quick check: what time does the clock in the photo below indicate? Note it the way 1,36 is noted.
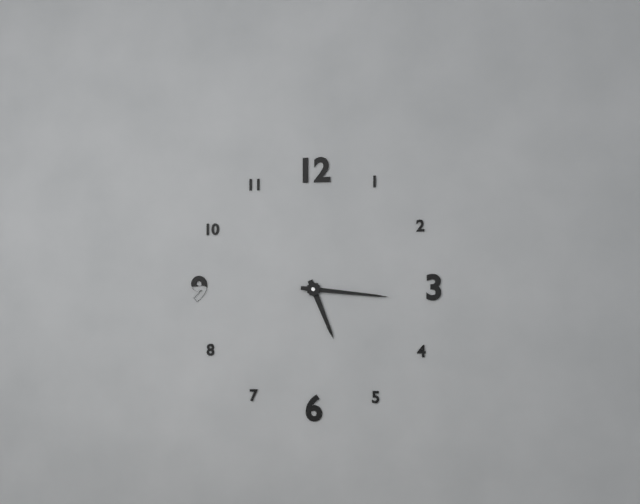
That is 5,16
